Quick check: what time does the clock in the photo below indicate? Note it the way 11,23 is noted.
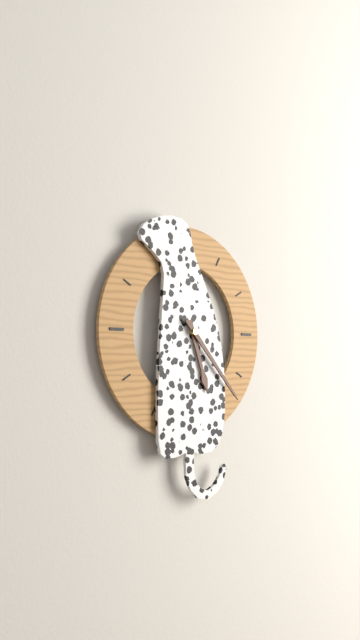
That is 5,23
